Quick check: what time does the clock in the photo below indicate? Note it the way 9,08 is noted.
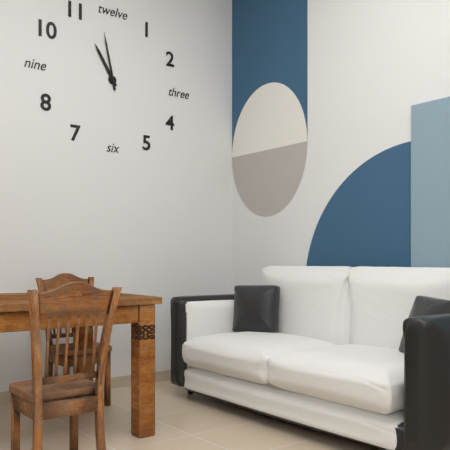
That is 10,58
